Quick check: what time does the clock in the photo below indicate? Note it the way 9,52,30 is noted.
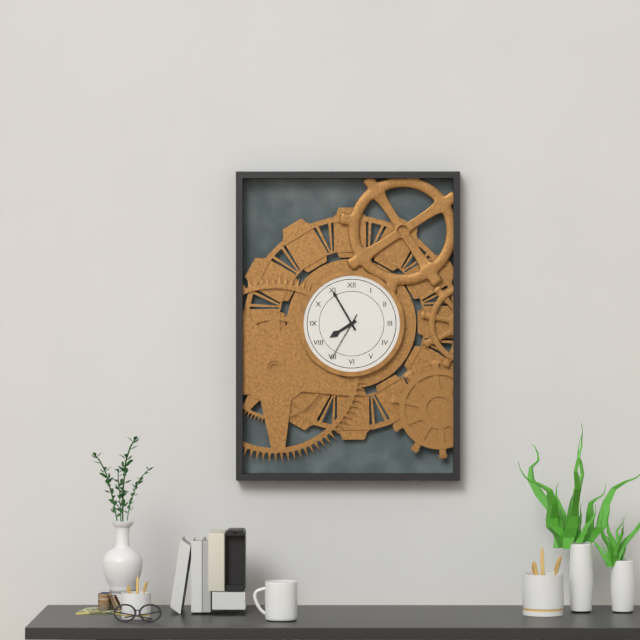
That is 7,55,35
